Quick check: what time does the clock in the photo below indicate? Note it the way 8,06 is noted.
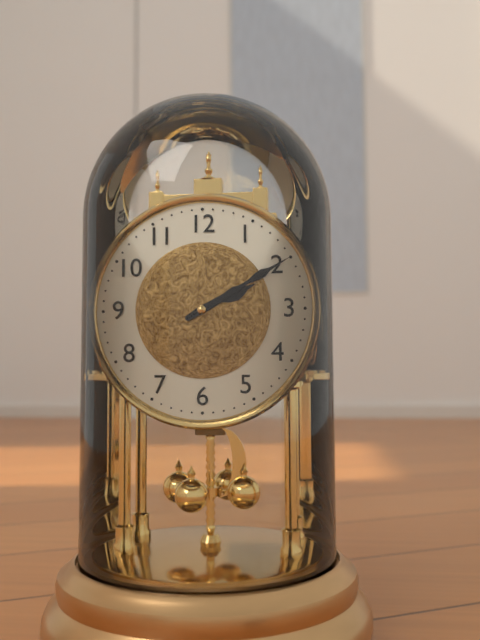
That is 2,10
